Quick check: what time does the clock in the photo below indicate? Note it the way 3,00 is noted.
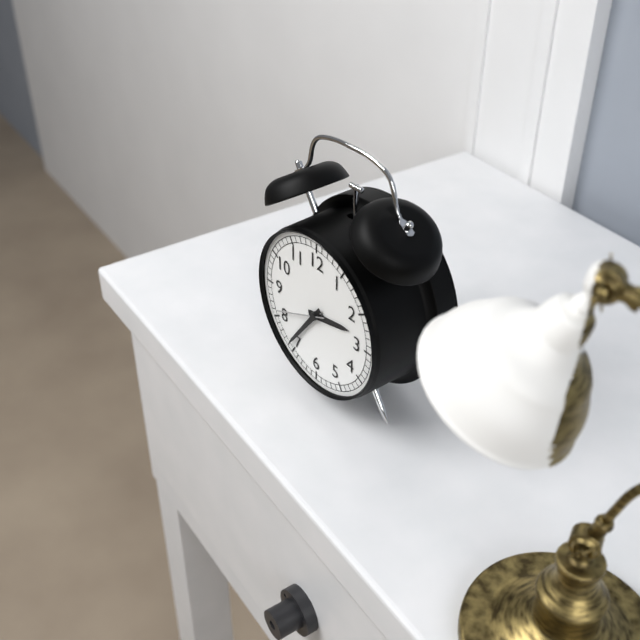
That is 2,36
